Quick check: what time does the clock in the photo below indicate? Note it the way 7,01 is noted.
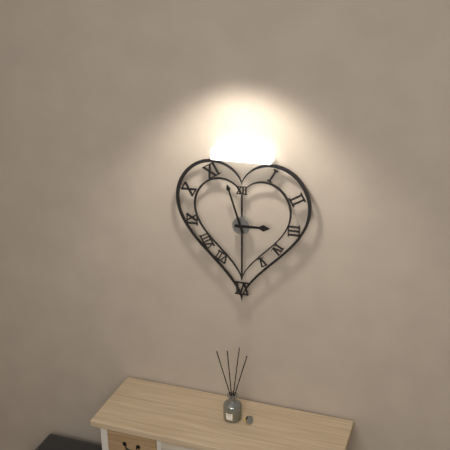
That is 2,57
